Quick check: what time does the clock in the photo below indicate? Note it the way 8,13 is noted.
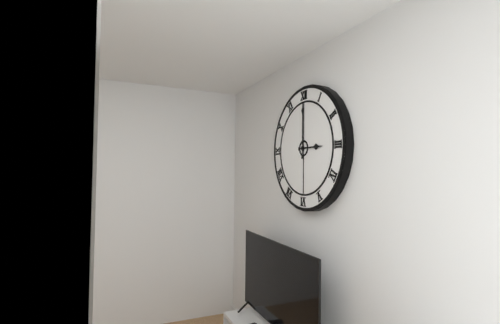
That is 3,00
